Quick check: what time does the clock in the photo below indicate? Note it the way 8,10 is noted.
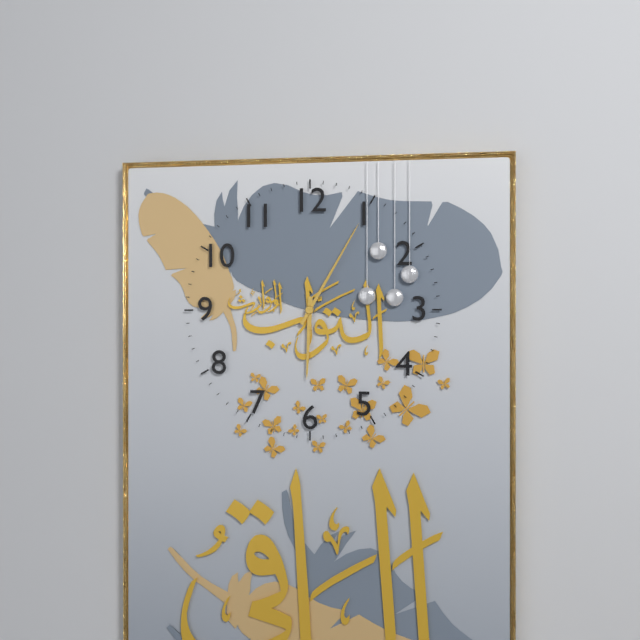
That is 6,05
